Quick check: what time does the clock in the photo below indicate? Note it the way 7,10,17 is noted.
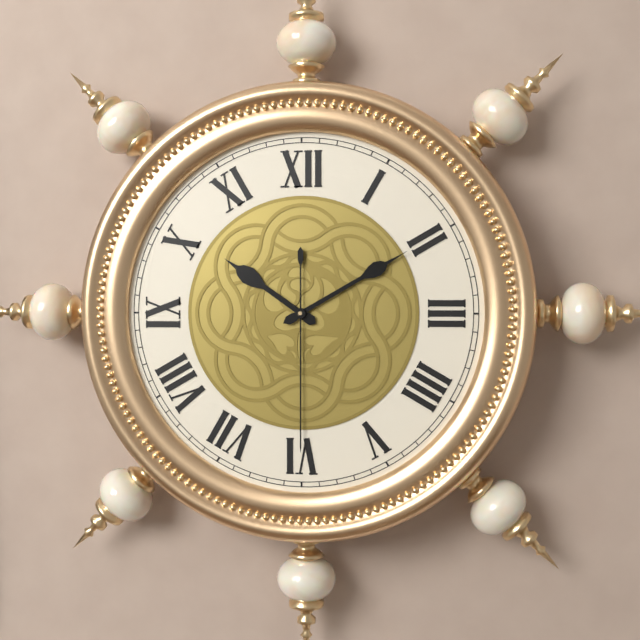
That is 10,10,30
